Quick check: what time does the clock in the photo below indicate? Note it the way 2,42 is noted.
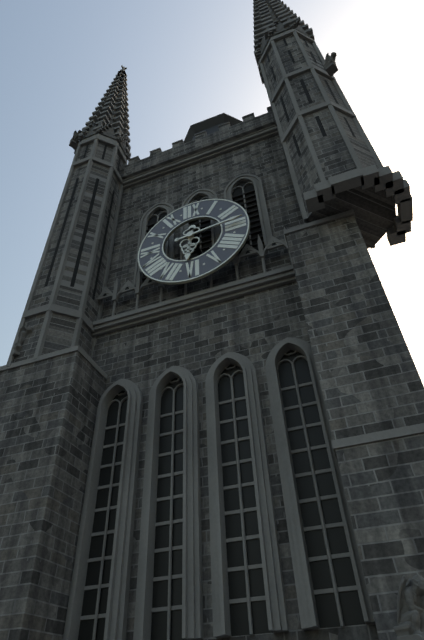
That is 6,14
